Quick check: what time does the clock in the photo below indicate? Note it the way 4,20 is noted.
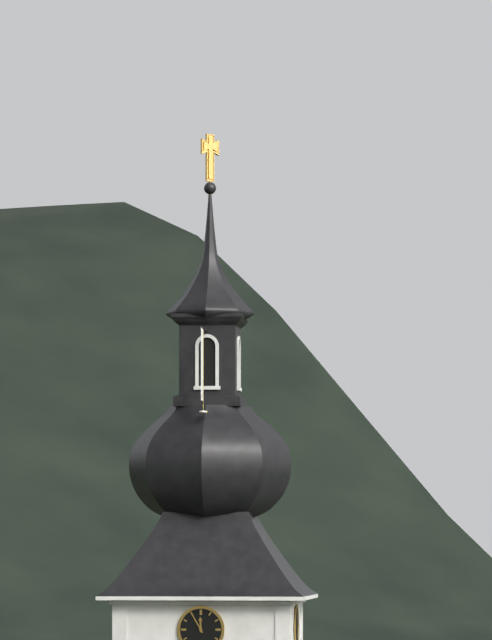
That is 11,55
